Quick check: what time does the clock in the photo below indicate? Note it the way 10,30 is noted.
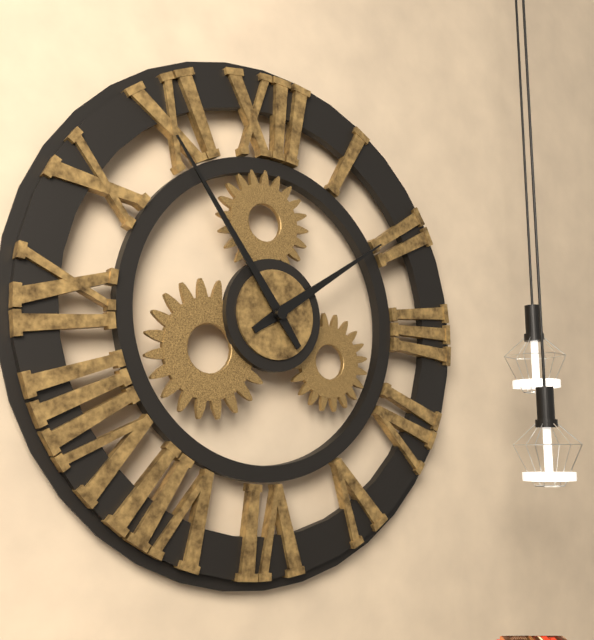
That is 1,54
